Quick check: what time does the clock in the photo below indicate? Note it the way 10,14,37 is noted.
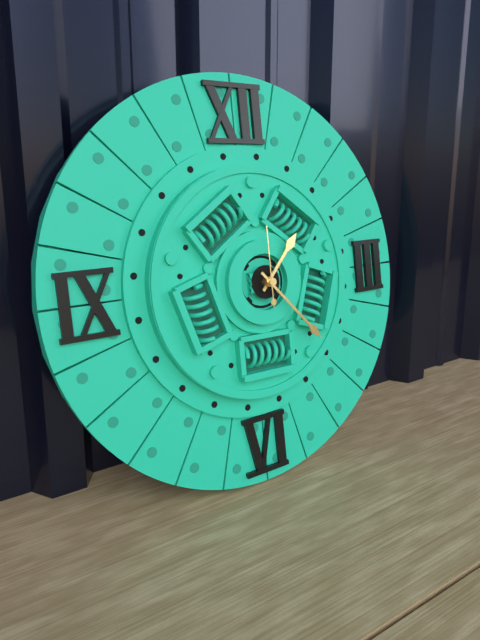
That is 1,23,00
